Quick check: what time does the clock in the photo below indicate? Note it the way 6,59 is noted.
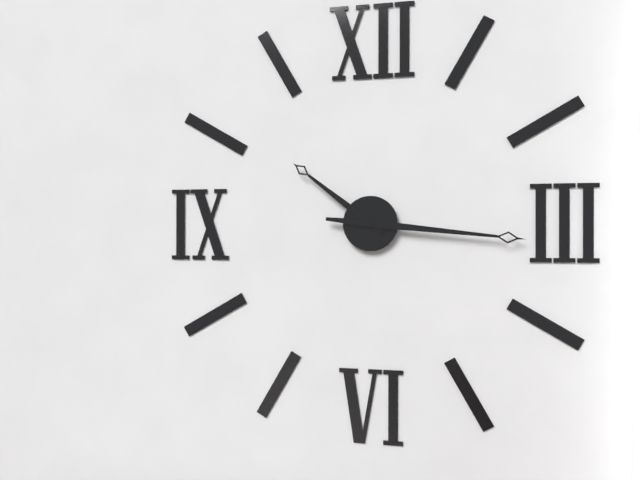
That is 10,16
